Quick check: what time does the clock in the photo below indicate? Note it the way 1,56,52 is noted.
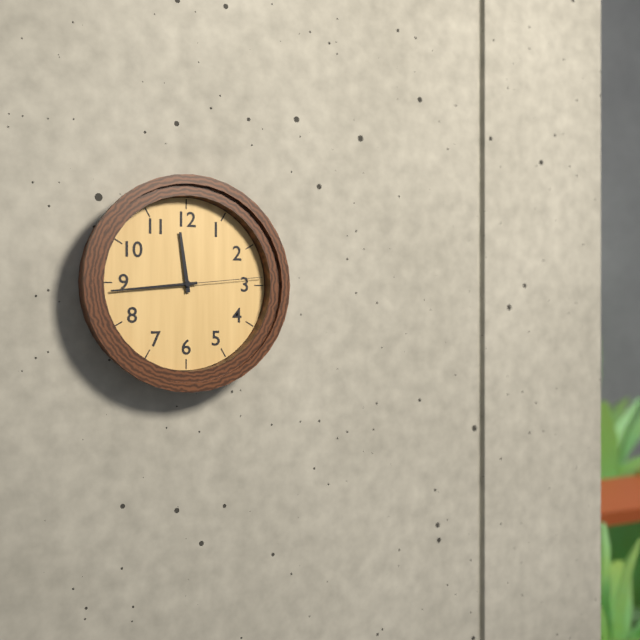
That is 11,44,14
